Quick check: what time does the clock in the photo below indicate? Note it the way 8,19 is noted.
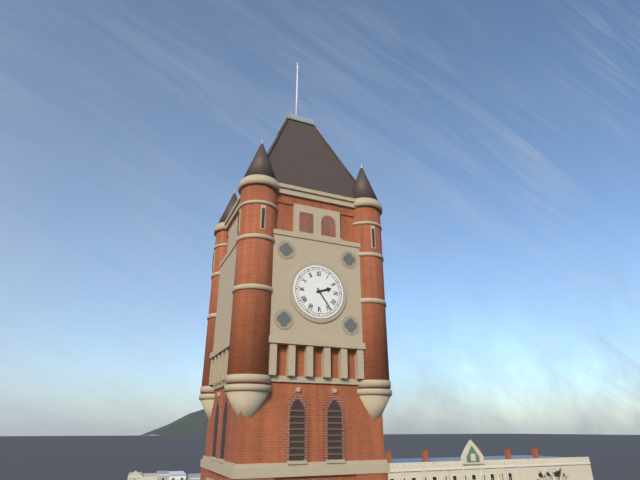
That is 2,24
